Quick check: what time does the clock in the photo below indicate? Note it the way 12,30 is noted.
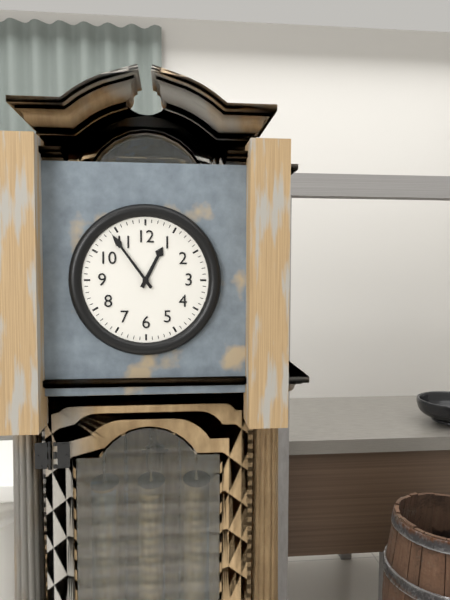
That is 12,54
